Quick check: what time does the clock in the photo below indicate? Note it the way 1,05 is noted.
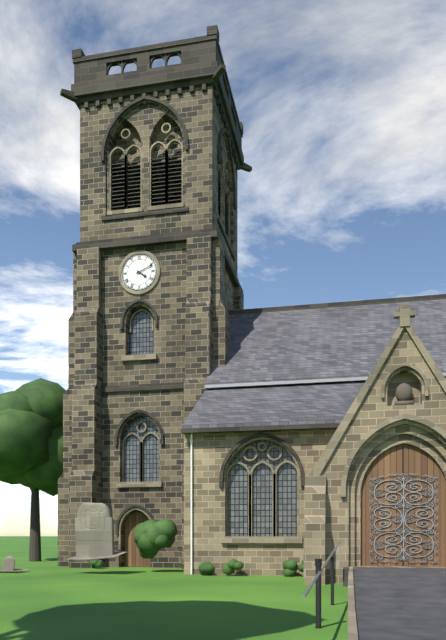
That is 4,11
